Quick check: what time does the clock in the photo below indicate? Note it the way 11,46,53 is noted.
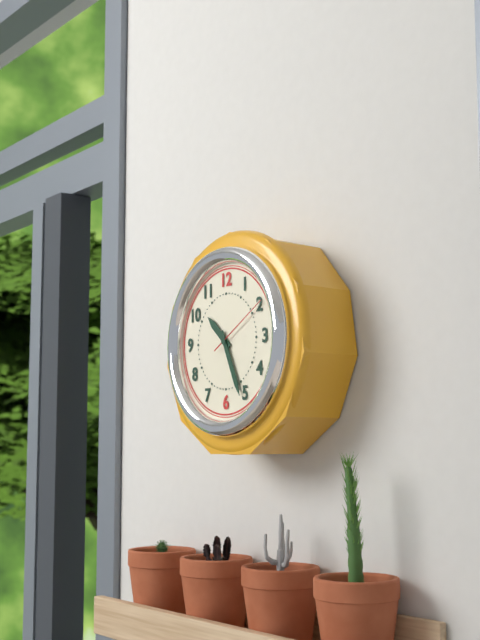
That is 10,26,10
